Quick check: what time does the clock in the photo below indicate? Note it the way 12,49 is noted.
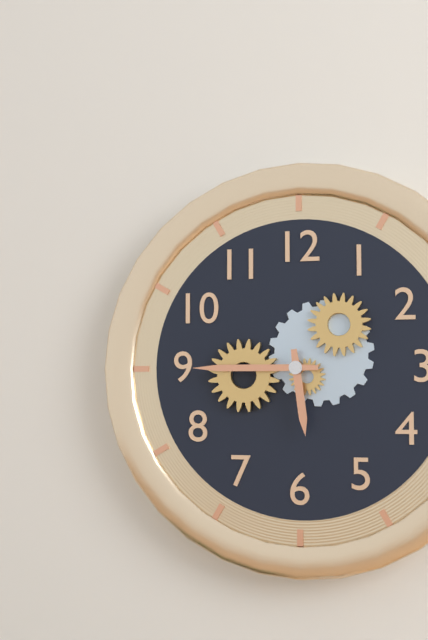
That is 5,45
